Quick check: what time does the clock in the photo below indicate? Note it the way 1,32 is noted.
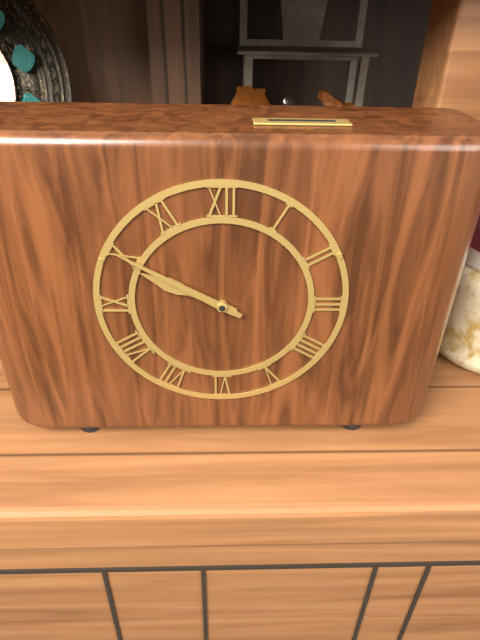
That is 9,50
